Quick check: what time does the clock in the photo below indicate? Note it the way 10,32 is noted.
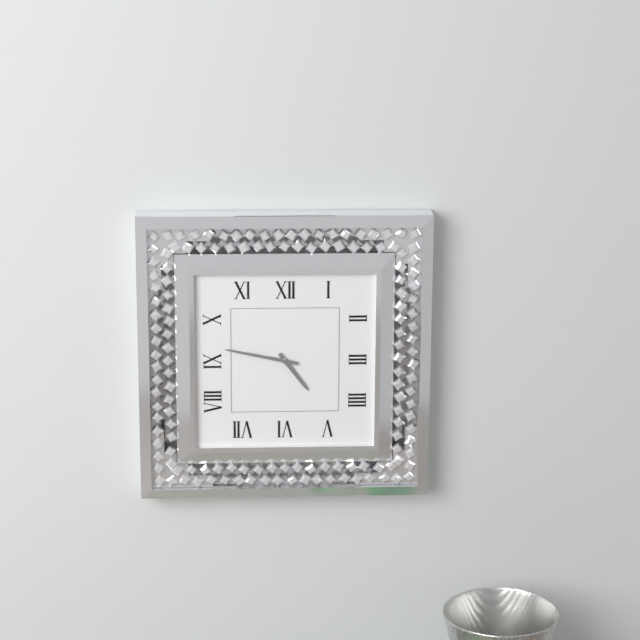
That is 4,47
